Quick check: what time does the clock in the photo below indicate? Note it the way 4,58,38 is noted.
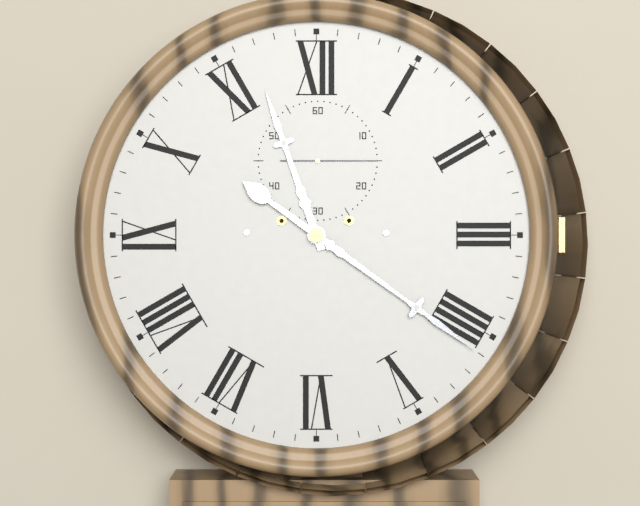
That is 11,21,15
